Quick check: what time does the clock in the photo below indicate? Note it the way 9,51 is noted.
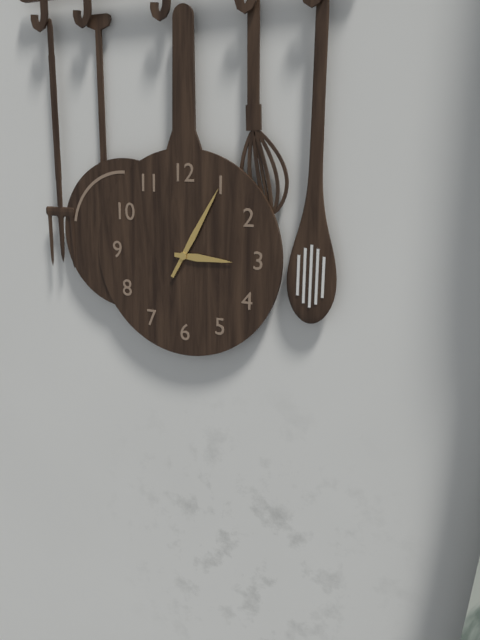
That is 3,05
